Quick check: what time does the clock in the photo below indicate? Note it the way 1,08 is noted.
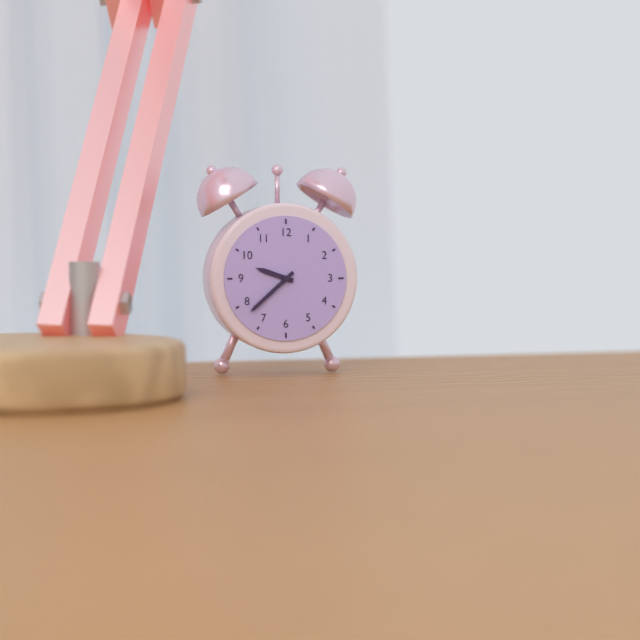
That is 9,38
